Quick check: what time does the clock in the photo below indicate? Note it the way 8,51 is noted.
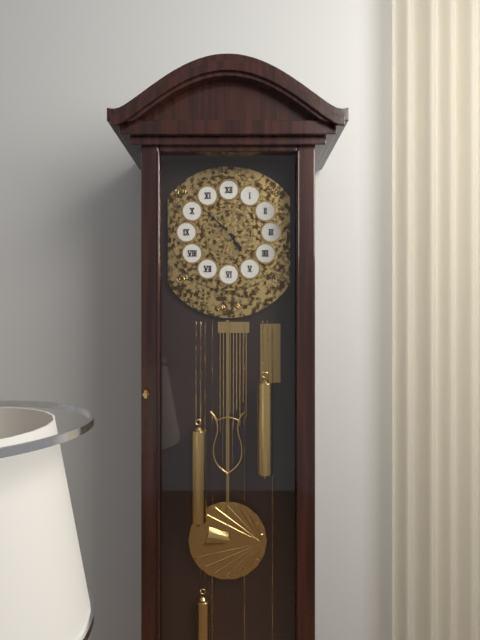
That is 4,52
